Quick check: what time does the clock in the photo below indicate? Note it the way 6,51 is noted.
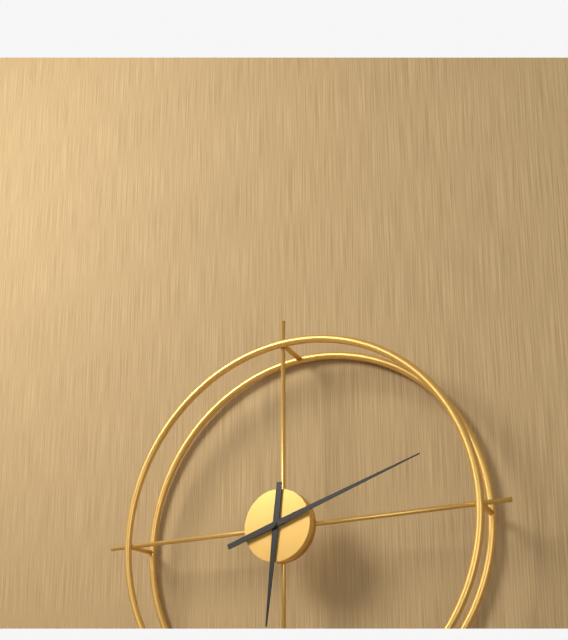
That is 6,12
